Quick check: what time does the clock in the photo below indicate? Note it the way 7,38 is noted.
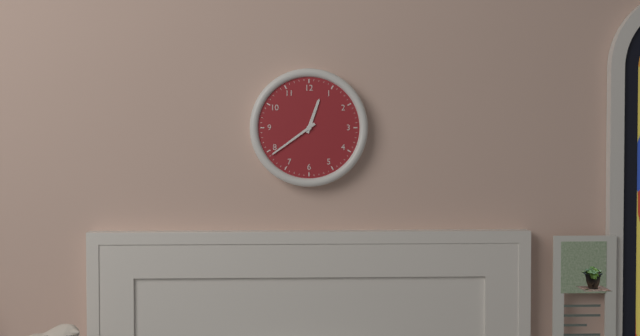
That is 12,39
